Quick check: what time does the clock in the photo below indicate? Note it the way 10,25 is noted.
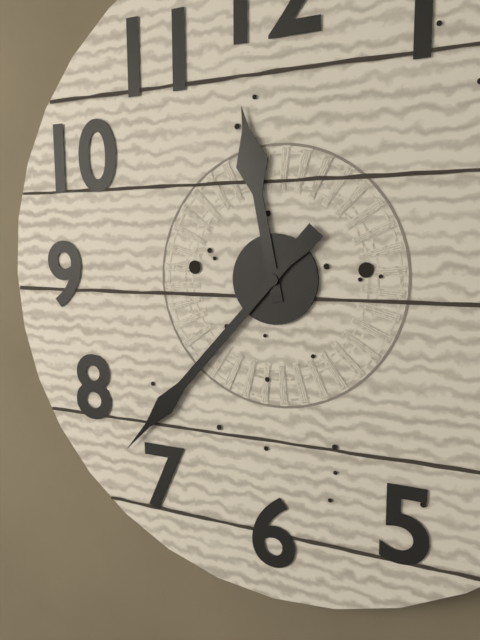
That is 11,37
